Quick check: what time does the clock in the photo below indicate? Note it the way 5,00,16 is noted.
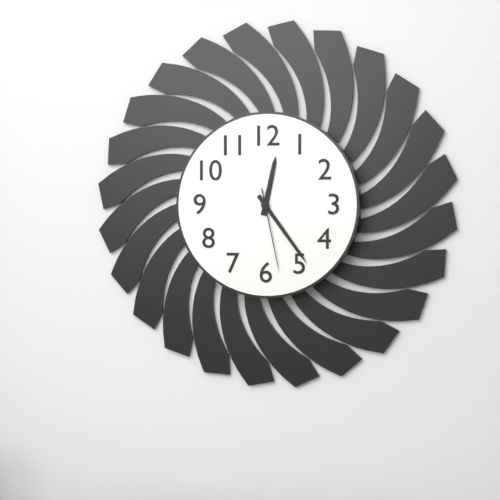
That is 12,24,28
